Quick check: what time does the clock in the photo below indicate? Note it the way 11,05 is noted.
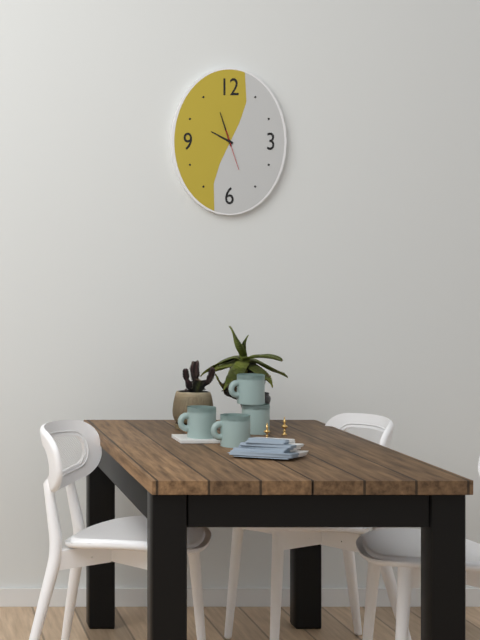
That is 9,57
